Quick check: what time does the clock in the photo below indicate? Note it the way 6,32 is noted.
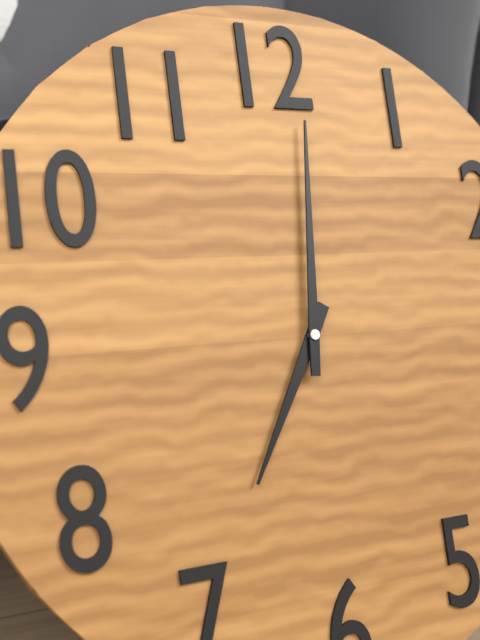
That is 7,01
